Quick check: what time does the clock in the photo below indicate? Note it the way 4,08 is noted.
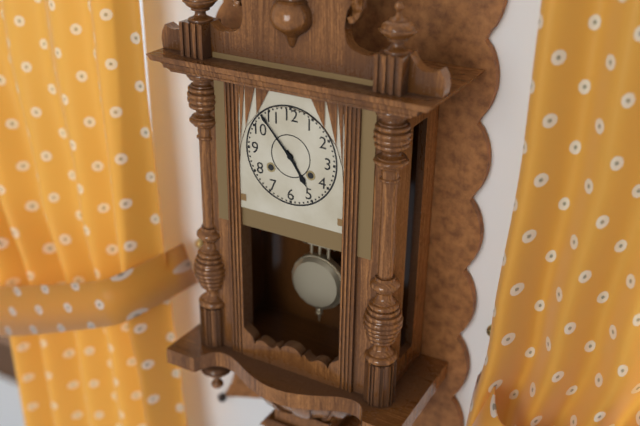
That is 4,53
